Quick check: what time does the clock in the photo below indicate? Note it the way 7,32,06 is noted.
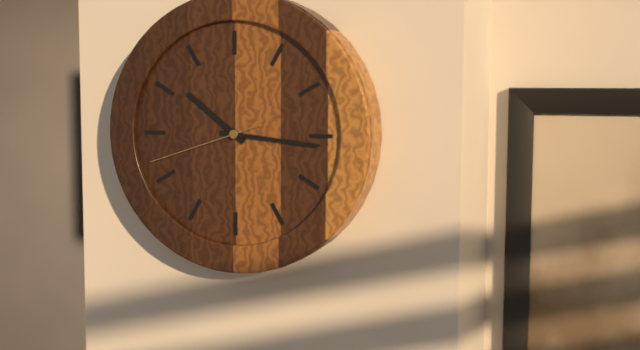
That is 10,16,42
